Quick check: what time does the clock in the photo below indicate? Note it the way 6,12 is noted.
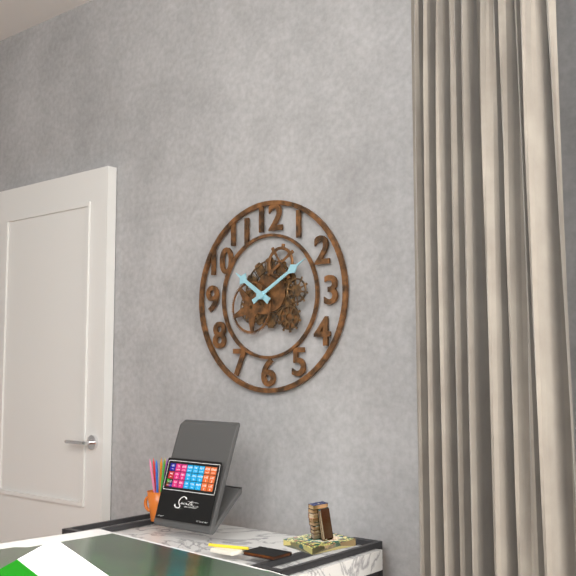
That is 10,10
